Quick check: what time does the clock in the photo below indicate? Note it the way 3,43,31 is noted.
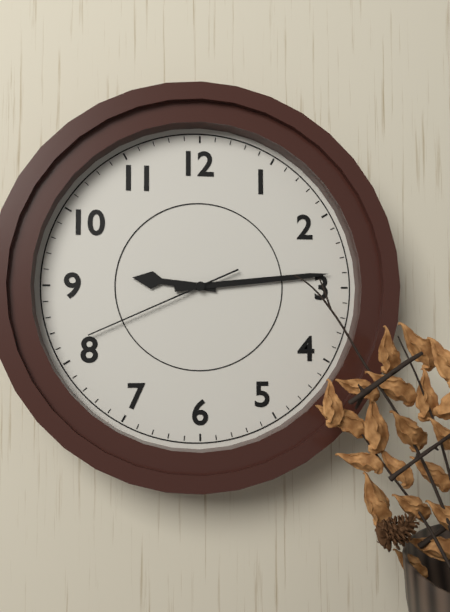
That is 9,14,41
